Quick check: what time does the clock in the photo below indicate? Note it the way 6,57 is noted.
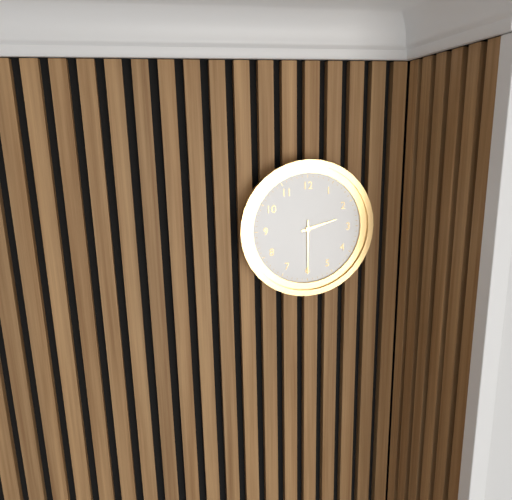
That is 2,30
